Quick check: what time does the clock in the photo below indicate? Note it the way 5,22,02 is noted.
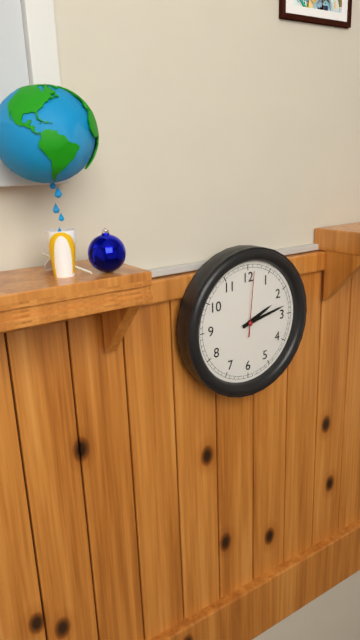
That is 2,13,01
